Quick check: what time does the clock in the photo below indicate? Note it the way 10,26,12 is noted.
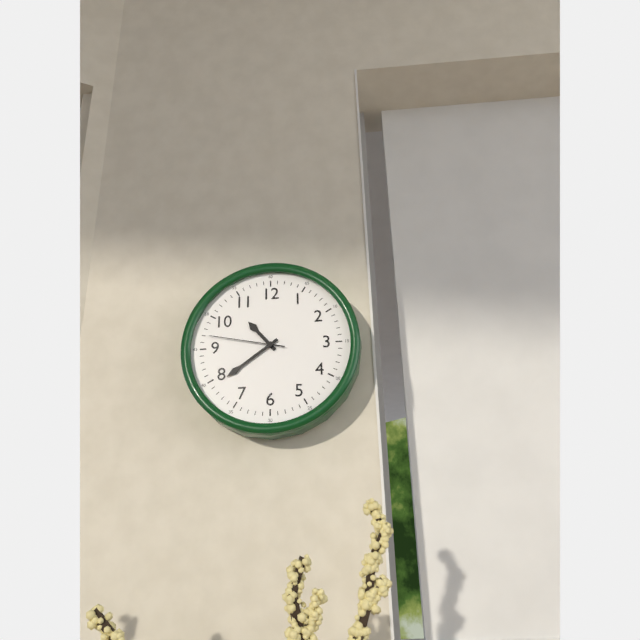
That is 10,39,47
